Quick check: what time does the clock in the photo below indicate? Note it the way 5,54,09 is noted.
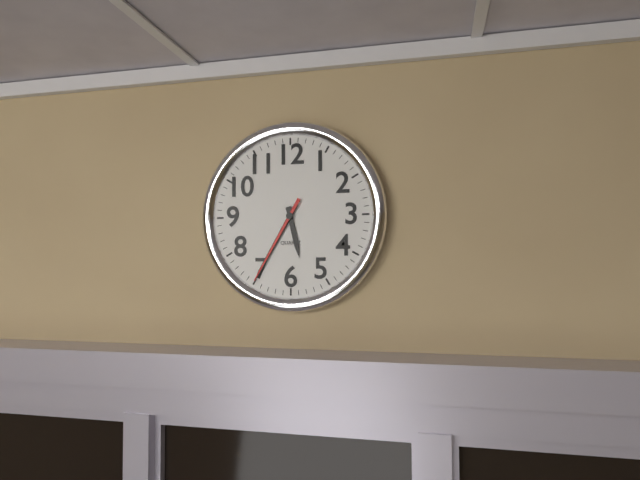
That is 5,35,35
